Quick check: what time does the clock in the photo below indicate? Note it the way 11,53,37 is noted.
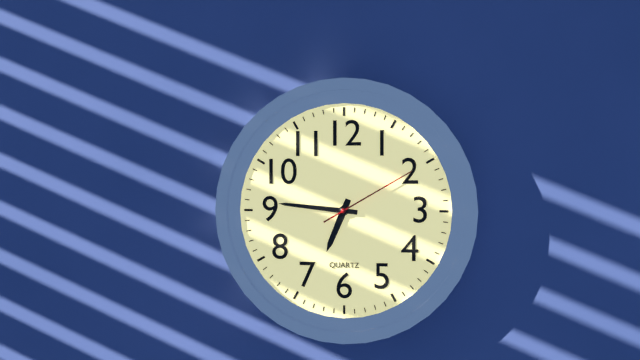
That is 6,46,10
